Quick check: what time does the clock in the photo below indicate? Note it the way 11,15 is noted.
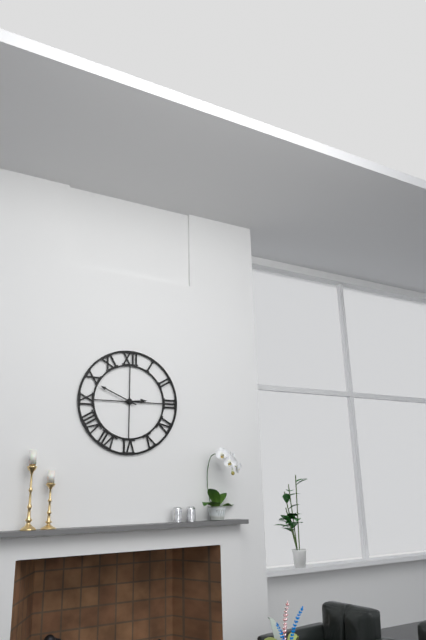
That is 2,49
